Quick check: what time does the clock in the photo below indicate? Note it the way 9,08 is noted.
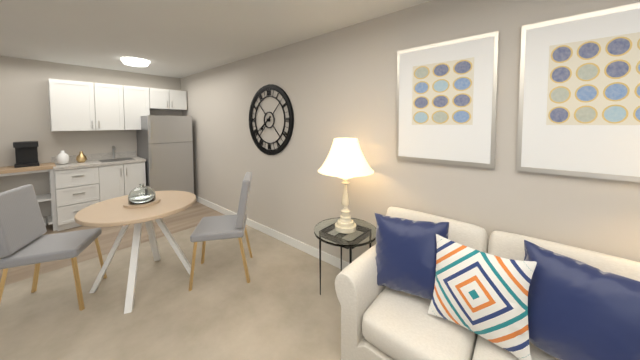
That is 7,39
